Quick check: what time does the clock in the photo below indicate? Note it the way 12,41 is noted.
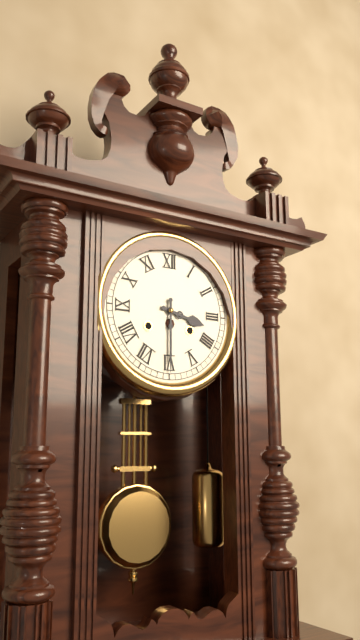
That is 3,30
